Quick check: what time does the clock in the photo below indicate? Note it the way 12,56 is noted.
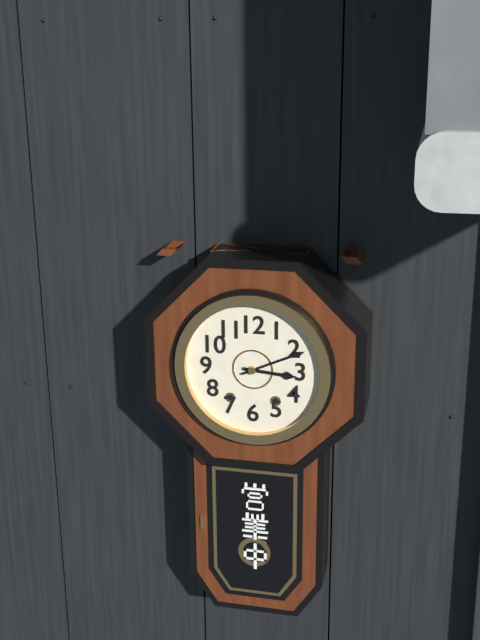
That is 3,11
